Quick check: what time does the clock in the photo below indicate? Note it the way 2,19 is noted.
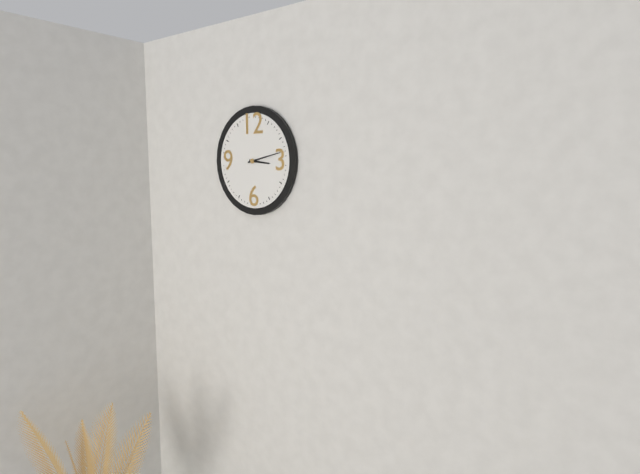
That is 3,13
